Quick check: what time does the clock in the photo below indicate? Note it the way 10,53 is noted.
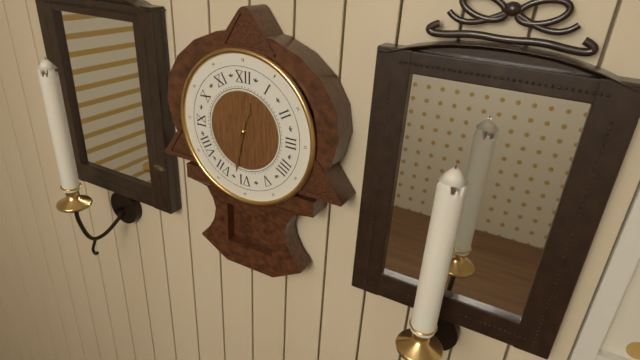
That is 12,32
